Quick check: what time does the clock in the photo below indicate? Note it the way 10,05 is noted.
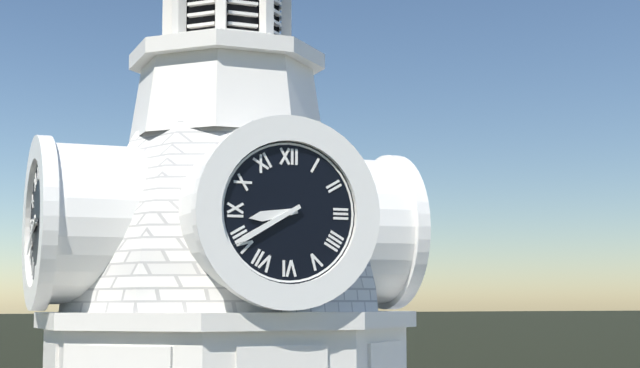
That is 8,40
